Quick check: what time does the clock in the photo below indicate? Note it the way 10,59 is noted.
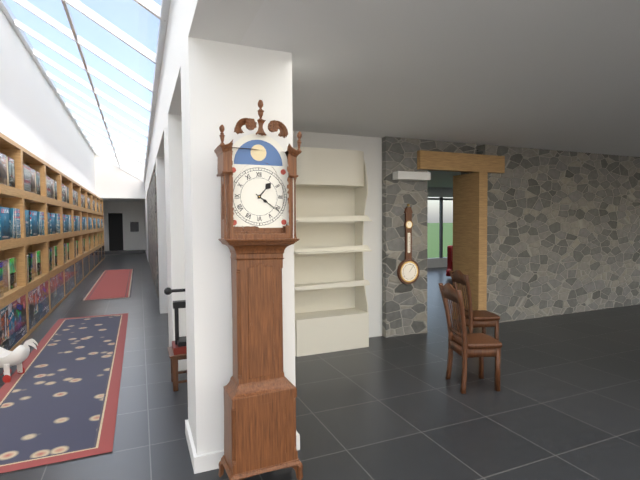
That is 1,21
